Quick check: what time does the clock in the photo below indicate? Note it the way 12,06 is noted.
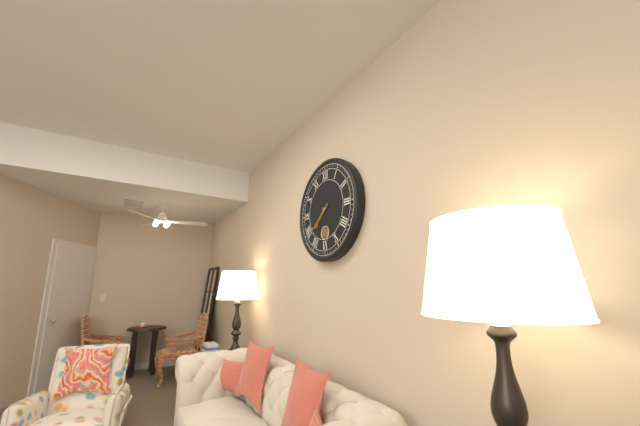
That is 7,39
